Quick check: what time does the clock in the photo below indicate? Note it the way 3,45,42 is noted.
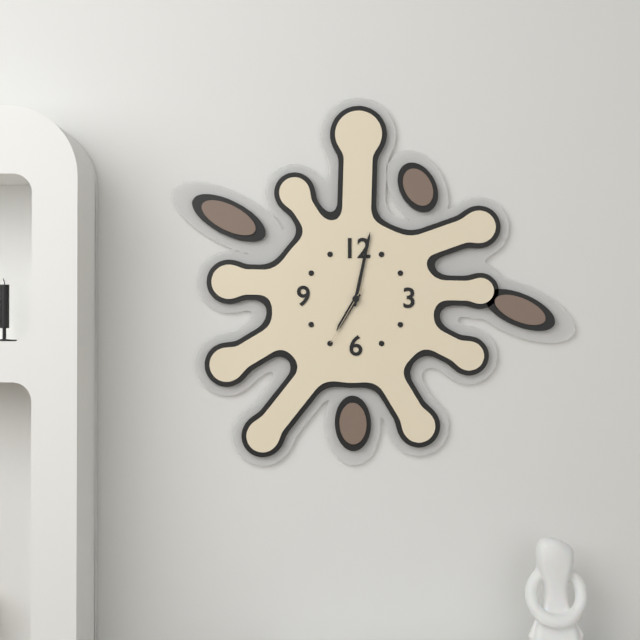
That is 7,02,35
